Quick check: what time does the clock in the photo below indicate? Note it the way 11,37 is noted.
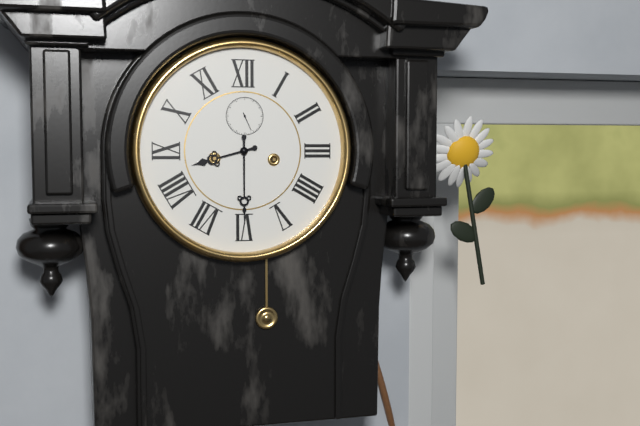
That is 8,30
